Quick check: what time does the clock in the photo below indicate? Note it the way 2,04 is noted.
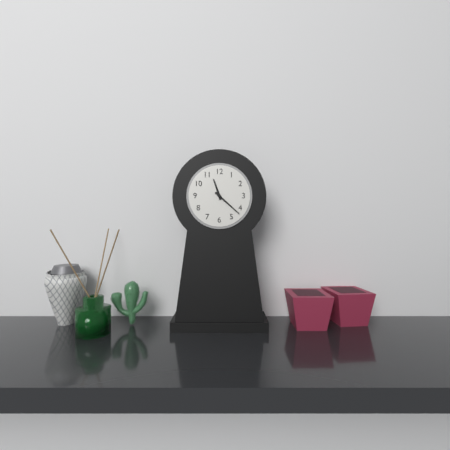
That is 11,22
